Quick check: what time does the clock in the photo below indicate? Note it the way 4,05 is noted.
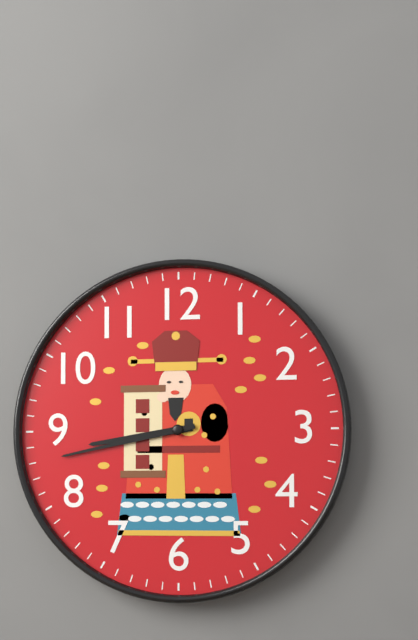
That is 8,43
